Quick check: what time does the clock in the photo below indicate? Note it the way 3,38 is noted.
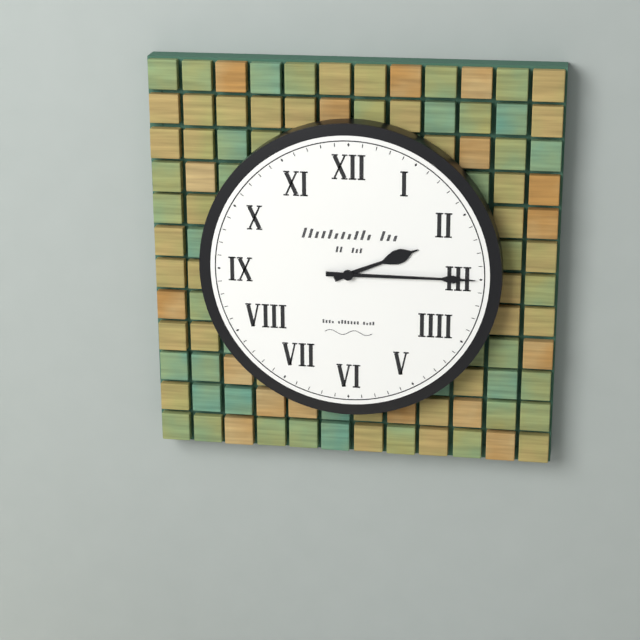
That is 2,15
